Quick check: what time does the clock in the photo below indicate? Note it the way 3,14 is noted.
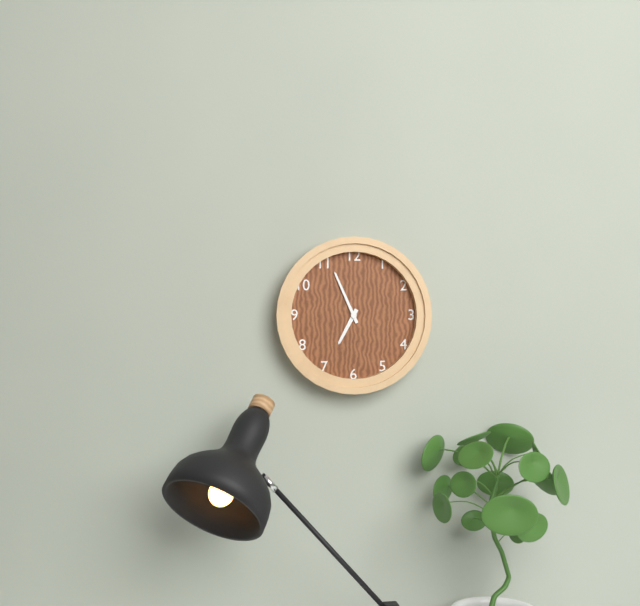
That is 6,56
